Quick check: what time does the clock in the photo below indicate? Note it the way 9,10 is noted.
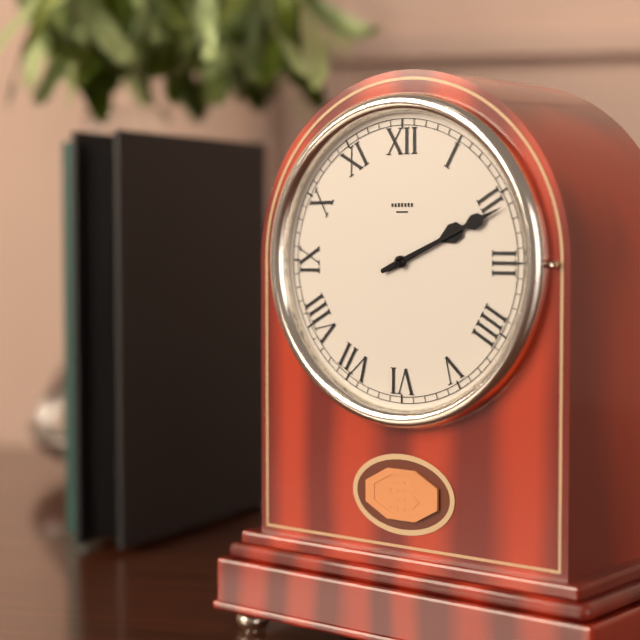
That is 2,11
